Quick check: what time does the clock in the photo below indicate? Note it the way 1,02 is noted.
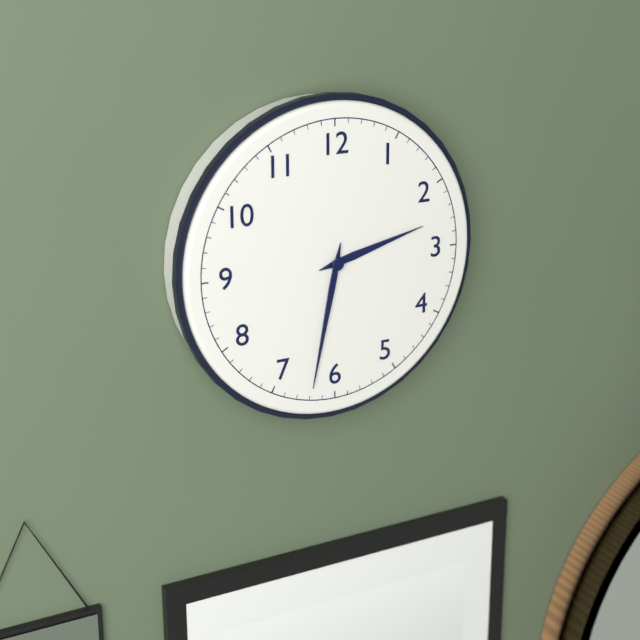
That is 2,32
